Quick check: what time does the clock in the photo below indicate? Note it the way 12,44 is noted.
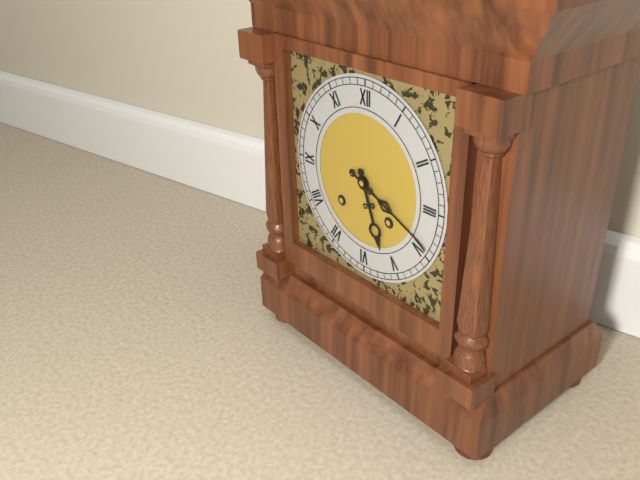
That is 5,19
